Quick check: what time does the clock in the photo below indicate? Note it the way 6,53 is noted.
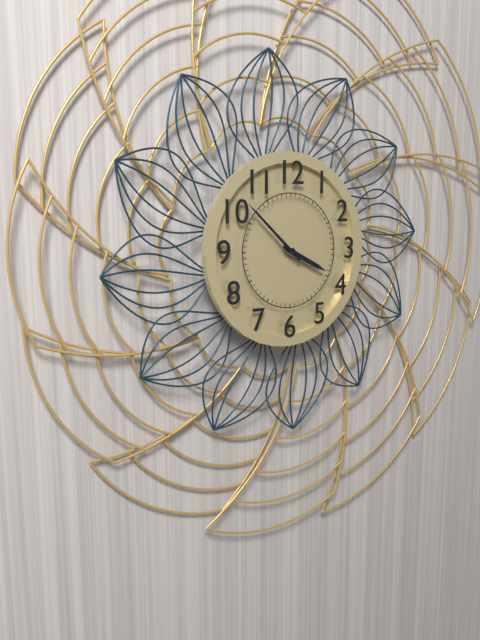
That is 3,52
